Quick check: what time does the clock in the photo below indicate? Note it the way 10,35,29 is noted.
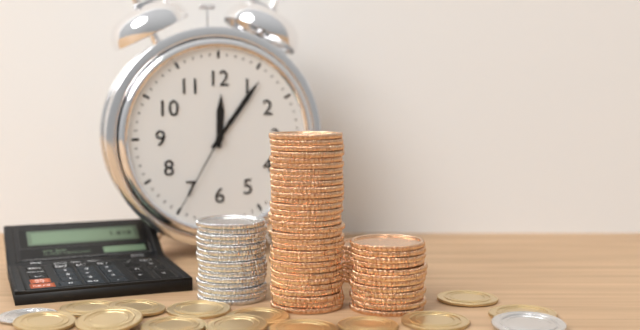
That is 12,06,35
